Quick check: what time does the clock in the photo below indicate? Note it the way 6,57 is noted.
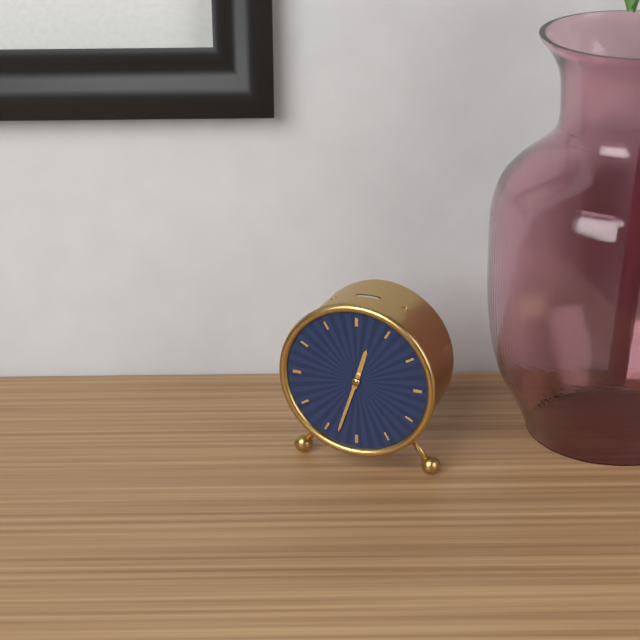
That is 12,33
